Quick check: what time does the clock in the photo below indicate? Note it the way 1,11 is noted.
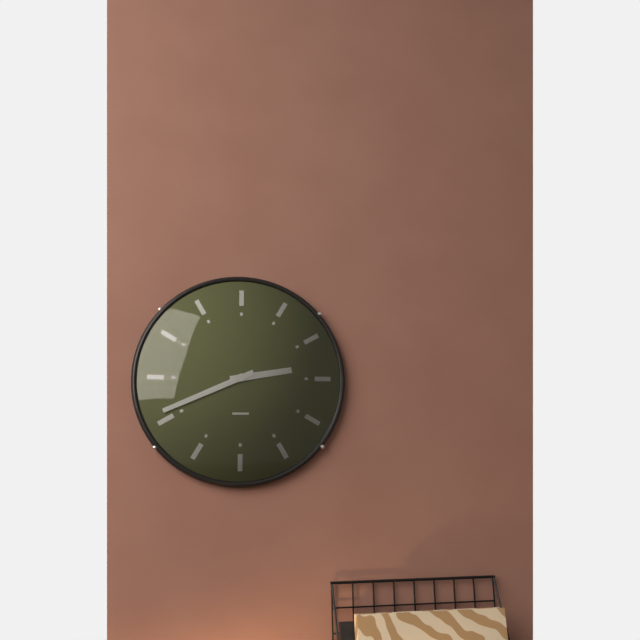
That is 2,41
